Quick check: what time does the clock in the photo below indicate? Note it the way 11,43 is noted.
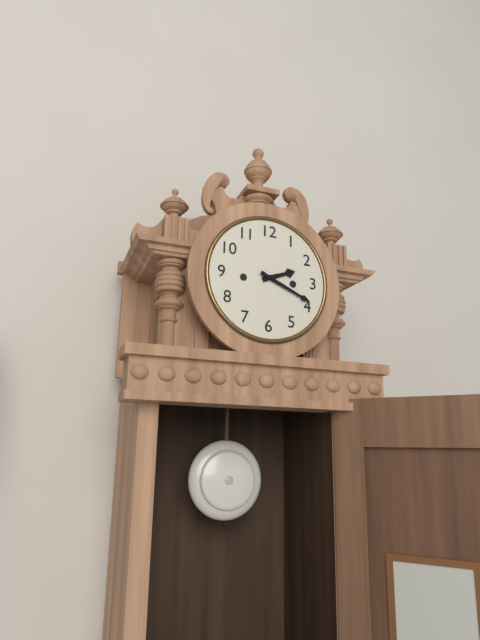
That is 2,19
